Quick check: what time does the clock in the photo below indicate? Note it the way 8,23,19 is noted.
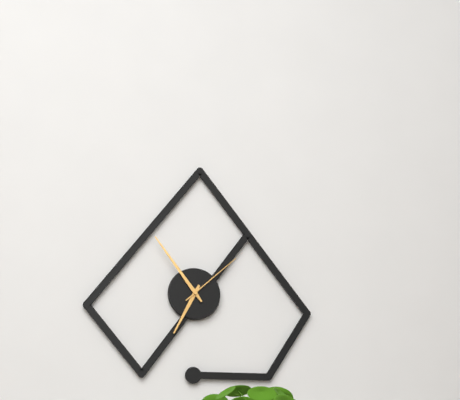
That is 6,54,08
